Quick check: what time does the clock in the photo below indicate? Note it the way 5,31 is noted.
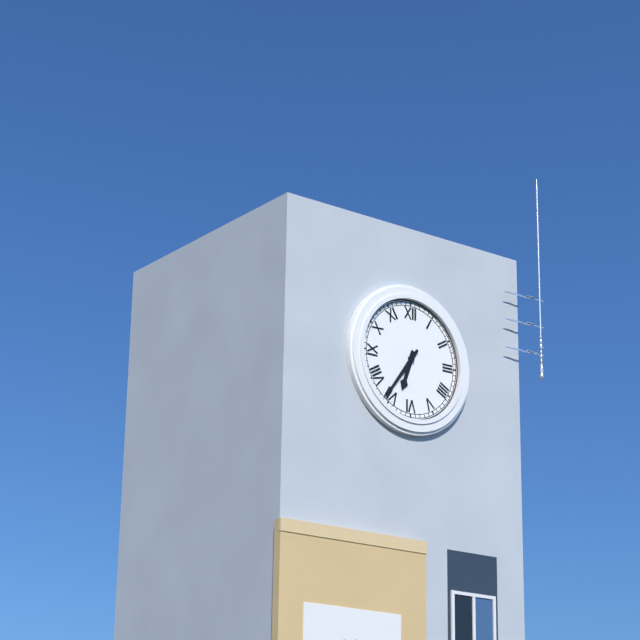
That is 6,36
